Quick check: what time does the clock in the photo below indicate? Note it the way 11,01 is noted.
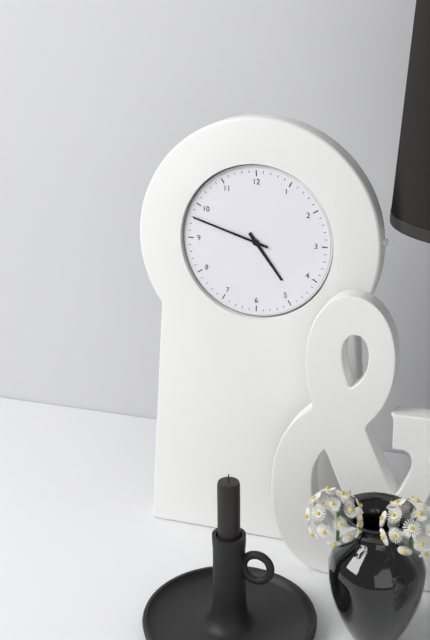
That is 4,48
